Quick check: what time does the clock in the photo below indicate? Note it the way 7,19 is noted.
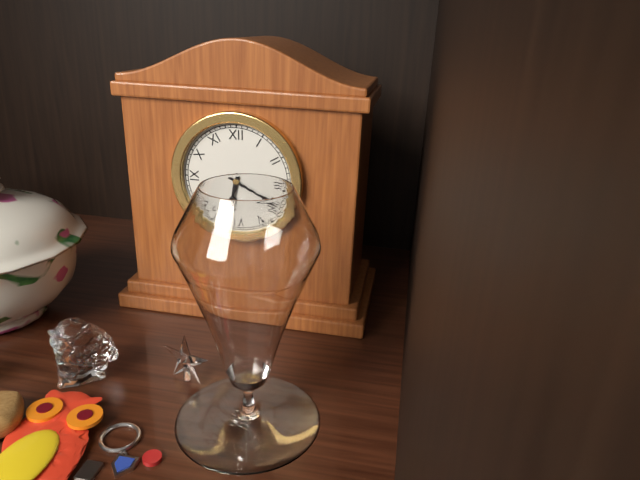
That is 6,20
